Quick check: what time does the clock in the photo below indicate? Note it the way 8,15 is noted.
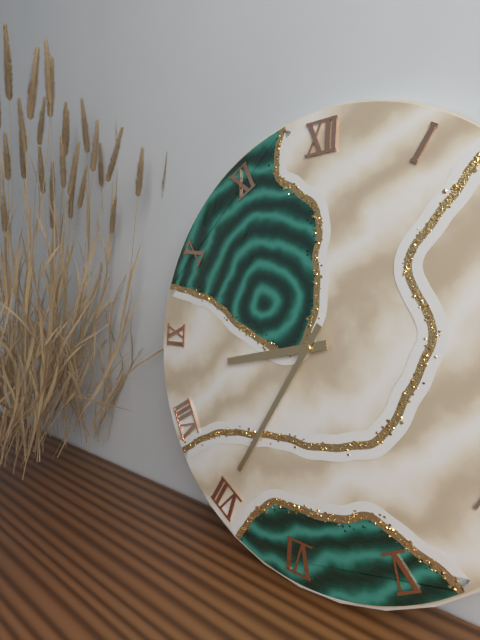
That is 8,35
